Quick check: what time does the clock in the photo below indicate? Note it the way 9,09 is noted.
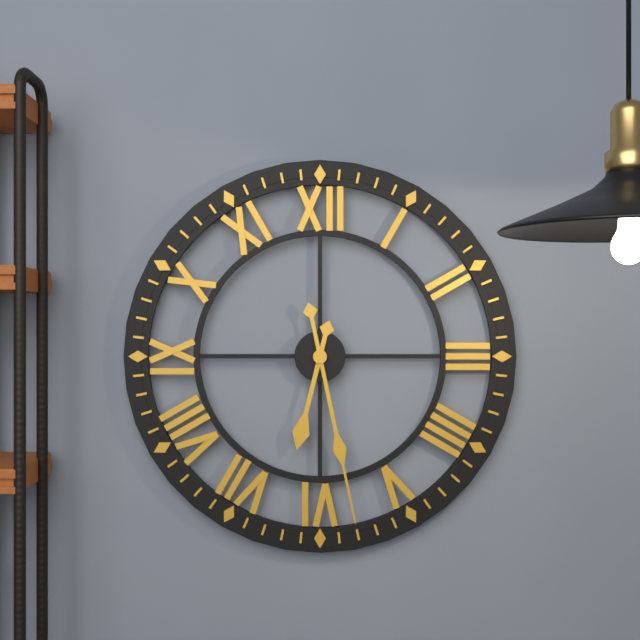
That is 6,28
